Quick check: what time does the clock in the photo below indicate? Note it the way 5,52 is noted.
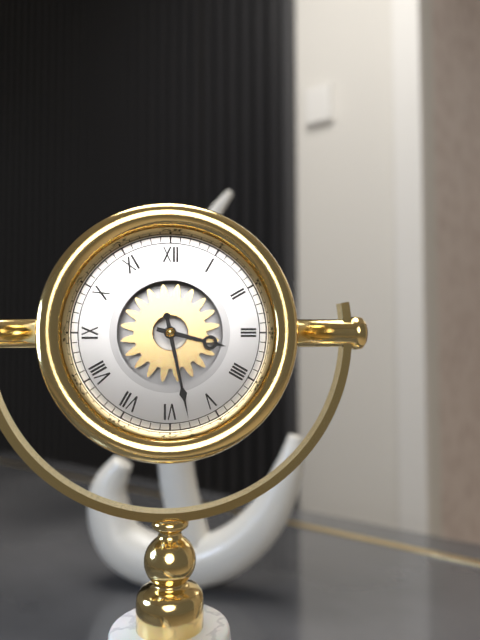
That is 3,28
